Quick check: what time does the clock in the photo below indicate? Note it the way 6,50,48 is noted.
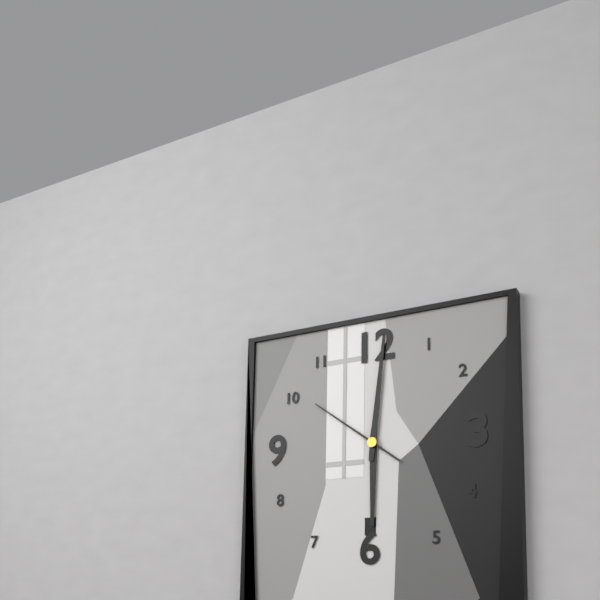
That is 6,01,51
